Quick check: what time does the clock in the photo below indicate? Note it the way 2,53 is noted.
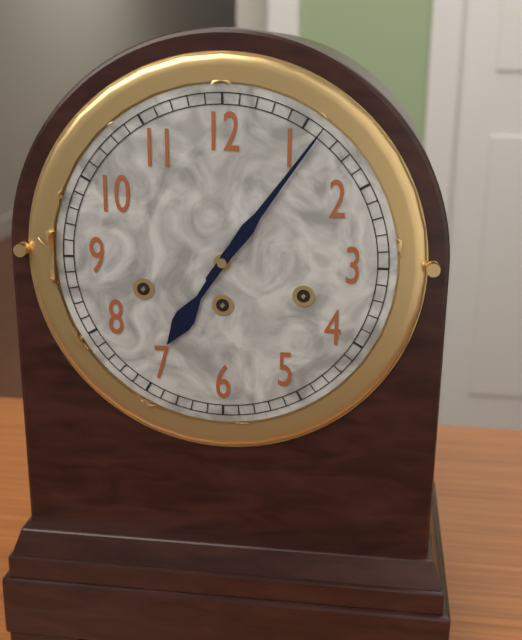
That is 7,06
